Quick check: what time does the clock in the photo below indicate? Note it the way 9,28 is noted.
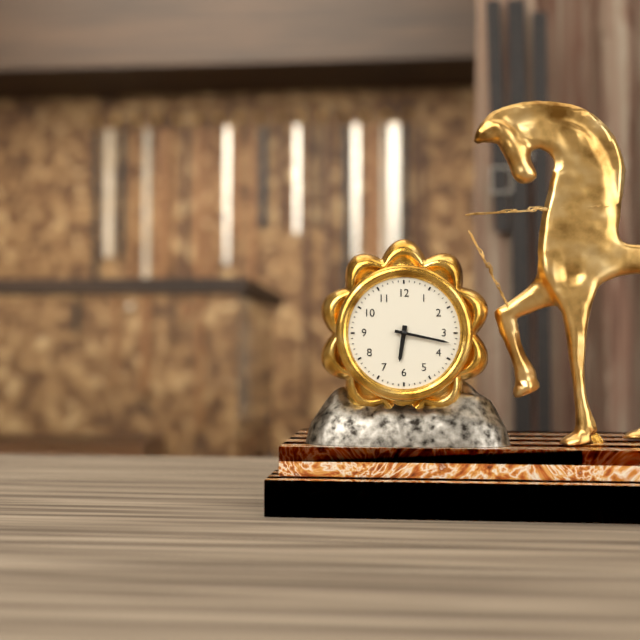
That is 6,17
